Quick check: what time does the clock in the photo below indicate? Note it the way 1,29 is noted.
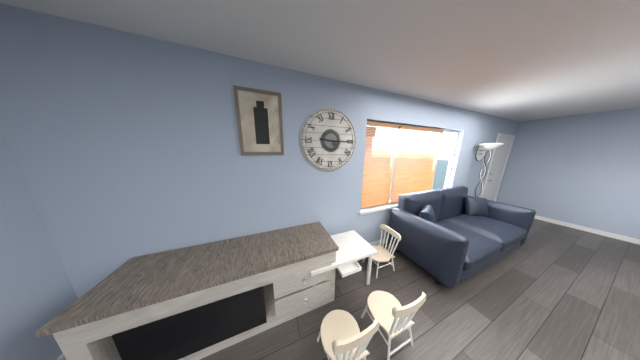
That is 9,15
